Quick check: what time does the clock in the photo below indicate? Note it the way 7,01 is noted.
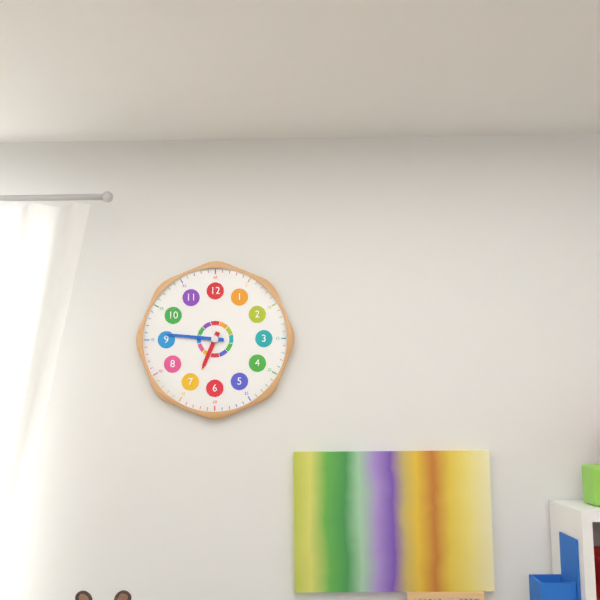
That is 6,46
